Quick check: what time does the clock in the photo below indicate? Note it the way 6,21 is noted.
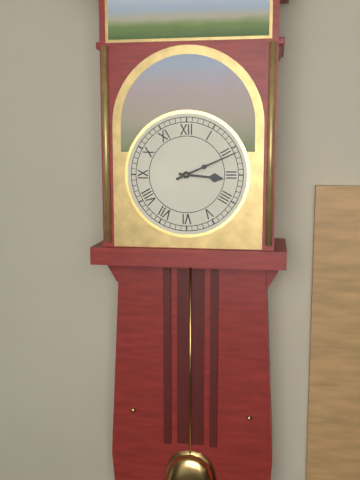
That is 3,11
